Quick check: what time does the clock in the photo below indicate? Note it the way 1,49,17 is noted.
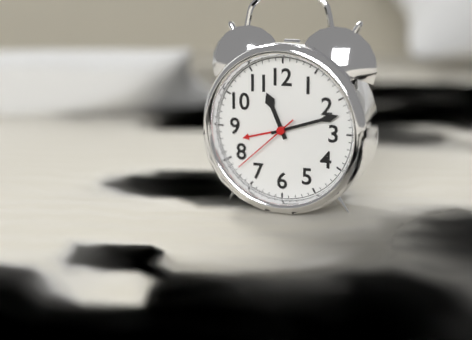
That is 11,12,38
